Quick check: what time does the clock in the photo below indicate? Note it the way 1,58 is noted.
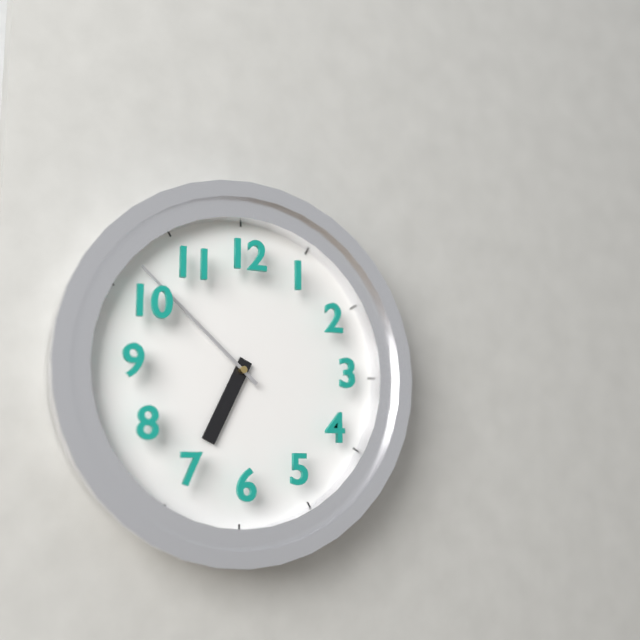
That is 6,52
